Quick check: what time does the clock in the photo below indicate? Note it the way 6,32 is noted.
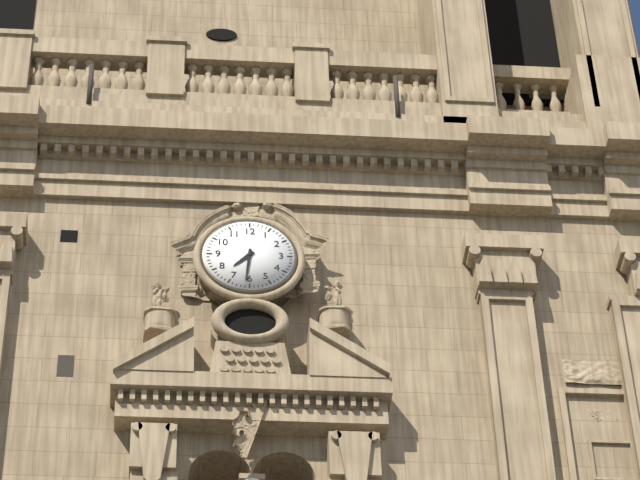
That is 7,31
